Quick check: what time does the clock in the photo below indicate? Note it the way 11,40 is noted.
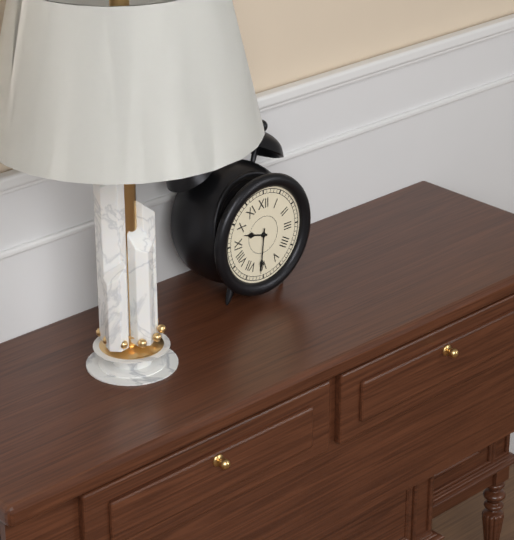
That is 9,31
